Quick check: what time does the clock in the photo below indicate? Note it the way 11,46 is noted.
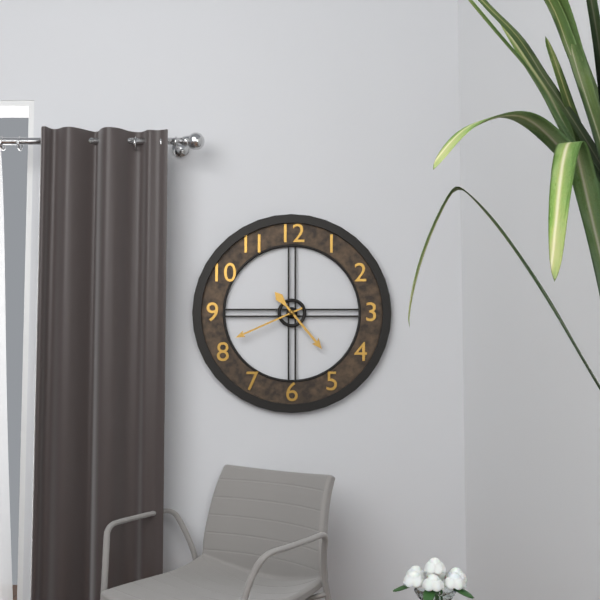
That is 4,41
